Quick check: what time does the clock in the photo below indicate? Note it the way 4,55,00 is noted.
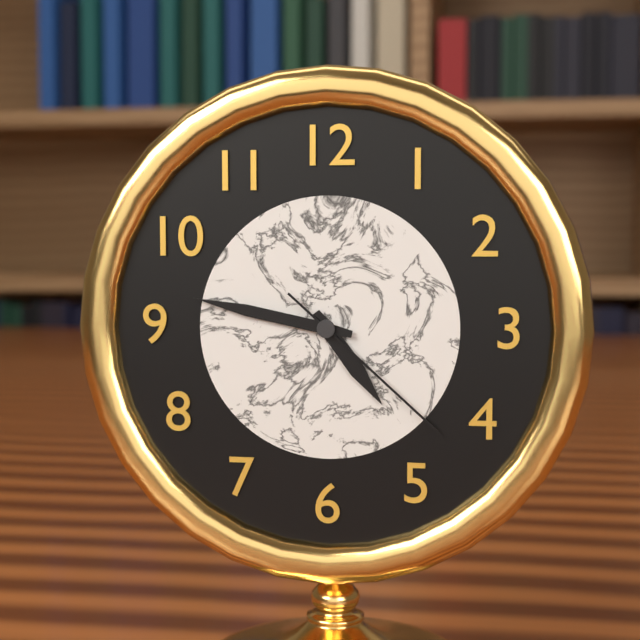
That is 4,47,22
